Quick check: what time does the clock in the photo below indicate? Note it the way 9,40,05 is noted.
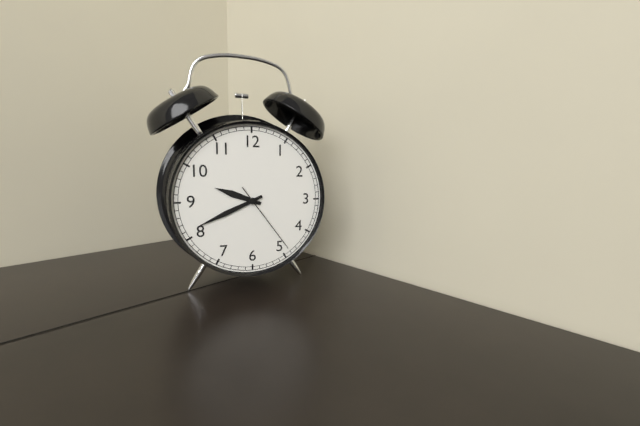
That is 9,41,24
